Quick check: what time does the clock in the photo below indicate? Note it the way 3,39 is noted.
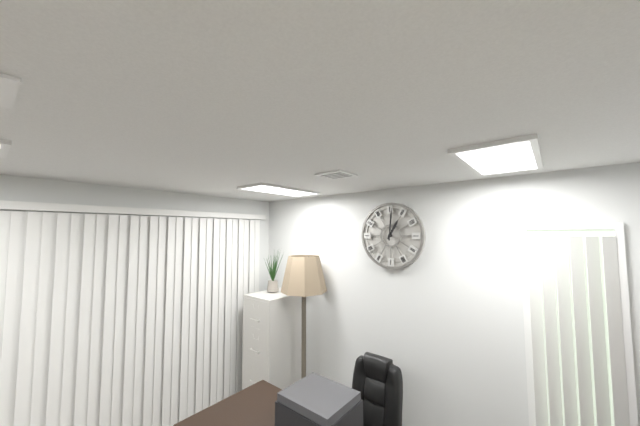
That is 1,01
